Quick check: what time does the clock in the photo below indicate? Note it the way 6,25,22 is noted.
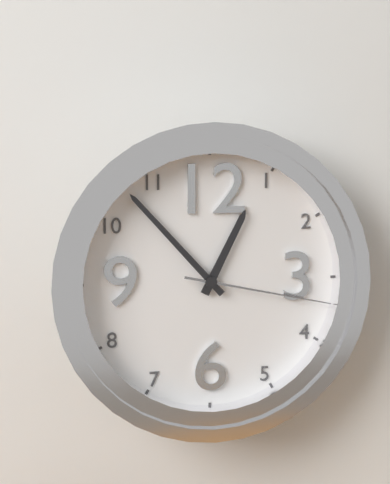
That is 12,53,17
